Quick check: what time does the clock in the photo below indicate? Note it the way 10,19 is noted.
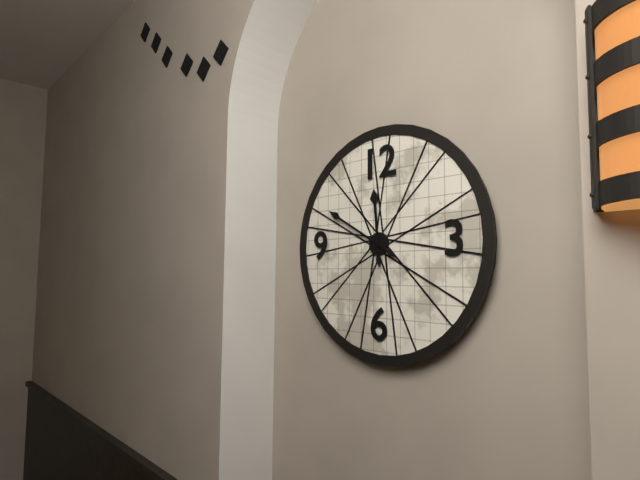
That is 11,50
